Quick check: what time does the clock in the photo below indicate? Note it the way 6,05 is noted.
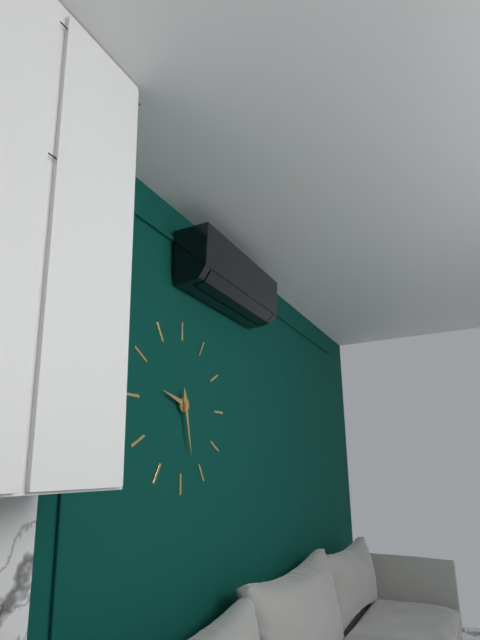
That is 9,28
